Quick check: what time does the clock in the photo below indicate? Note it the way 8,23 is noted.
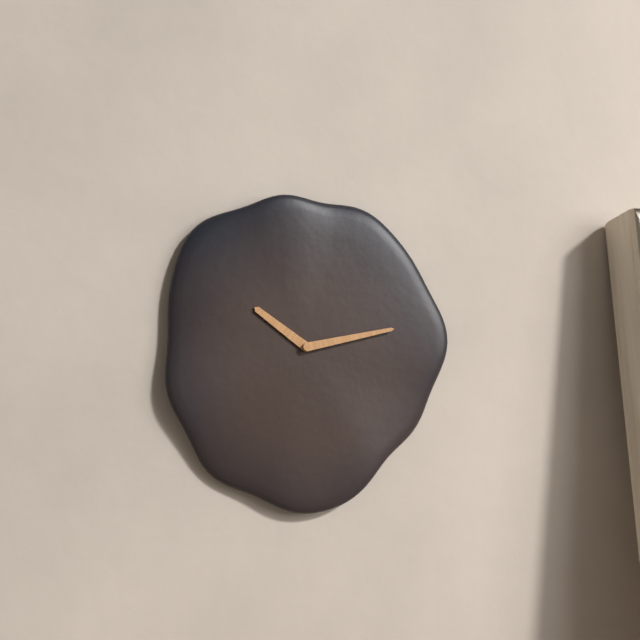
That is 10,13
